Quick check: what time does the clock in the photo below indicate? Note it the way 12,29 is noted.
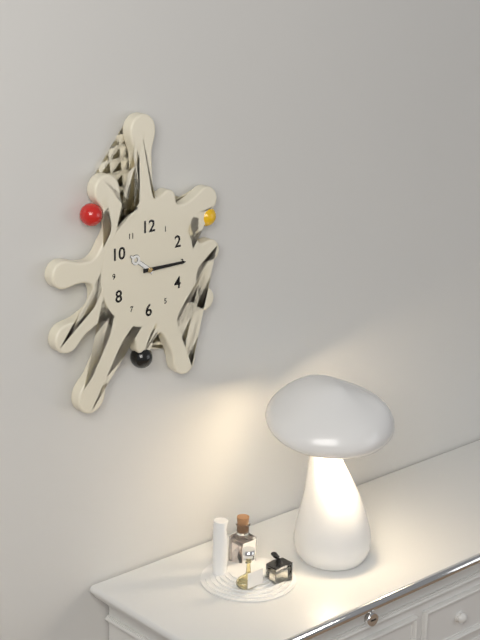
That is 10,15
